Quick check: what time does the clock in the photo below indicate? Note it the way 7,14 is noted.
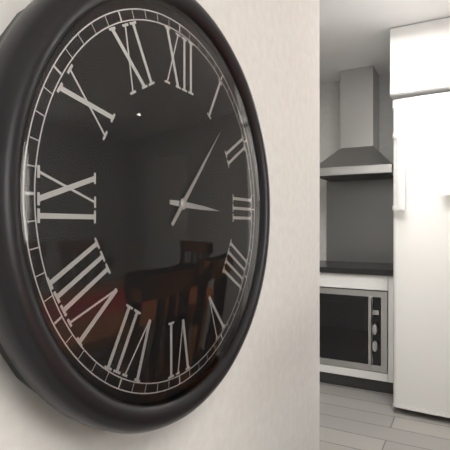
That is 3,07
